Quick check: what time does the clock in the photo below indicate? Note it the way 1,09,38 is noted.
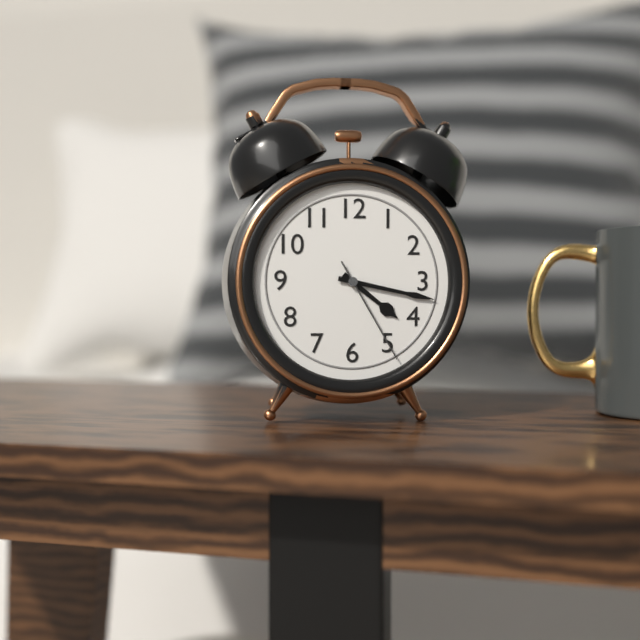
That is 4,17,25
